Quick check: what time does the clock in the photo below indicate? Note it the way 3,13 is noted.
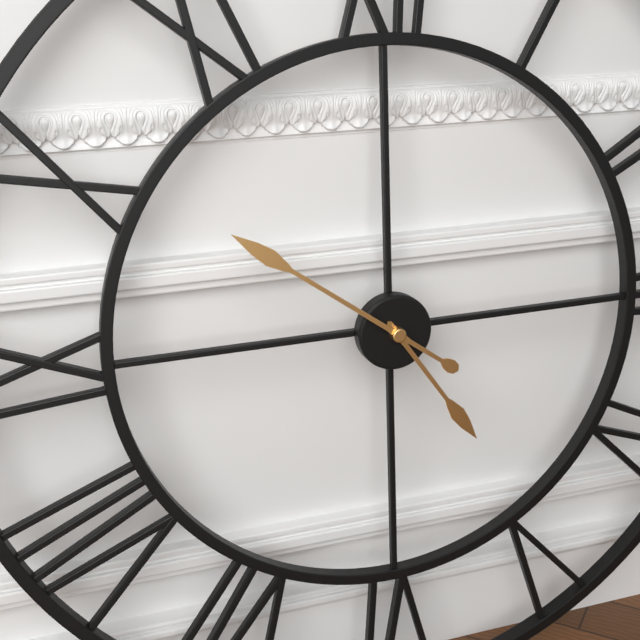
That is 4,51
